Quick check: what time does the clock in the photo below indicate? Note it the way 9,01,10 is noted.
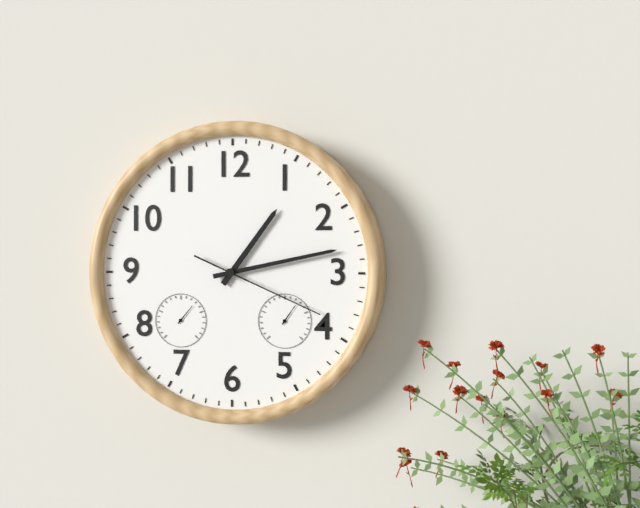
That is 1,13,19
